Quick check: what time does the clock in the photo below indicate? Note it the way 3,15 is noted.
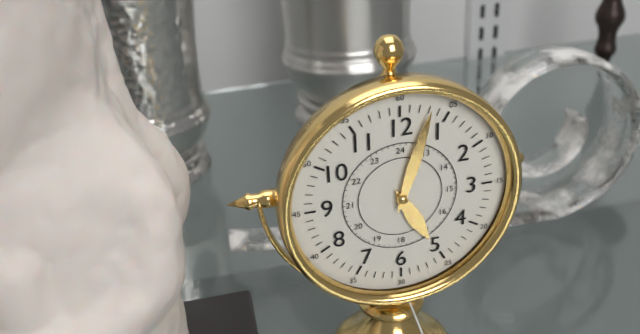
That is 5,03
